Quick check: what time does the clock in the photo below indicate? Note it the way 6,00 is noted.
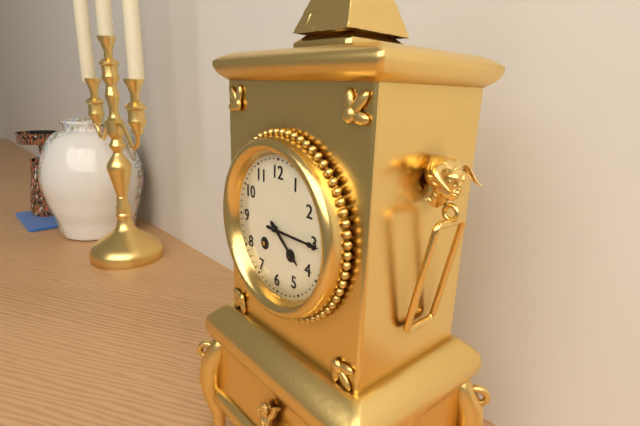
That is 4,15
